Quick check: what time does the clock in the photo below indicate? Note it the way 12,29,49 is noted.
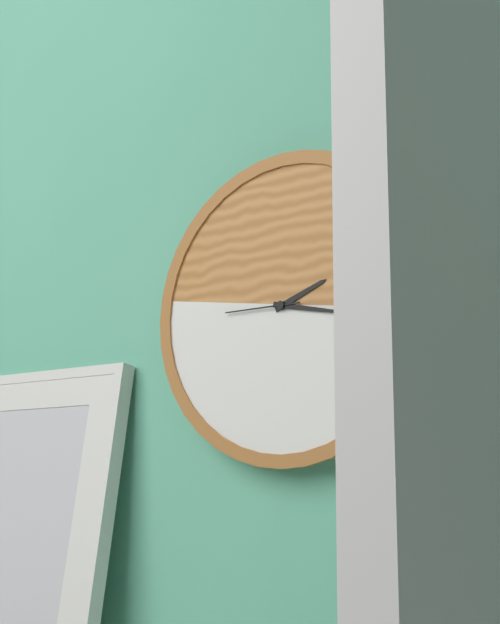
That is 2,17,45
